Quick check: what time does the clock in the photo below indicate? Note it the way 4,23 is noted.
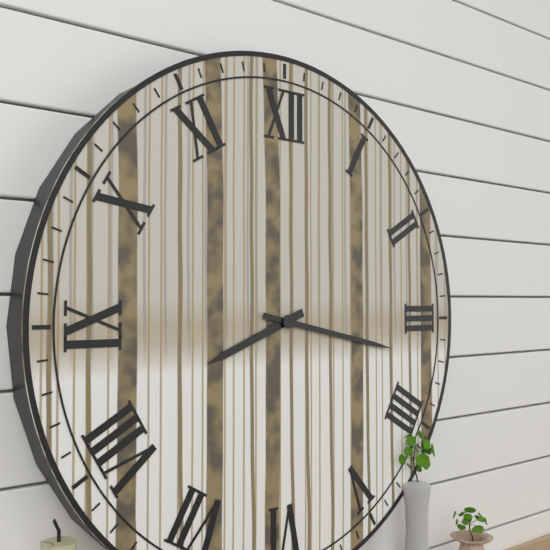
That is 8,17
